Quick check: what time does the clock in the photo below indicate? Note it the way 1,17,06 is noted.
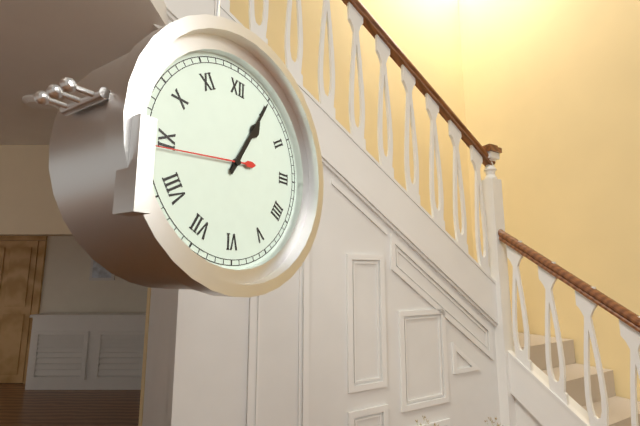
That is 1,05,44
